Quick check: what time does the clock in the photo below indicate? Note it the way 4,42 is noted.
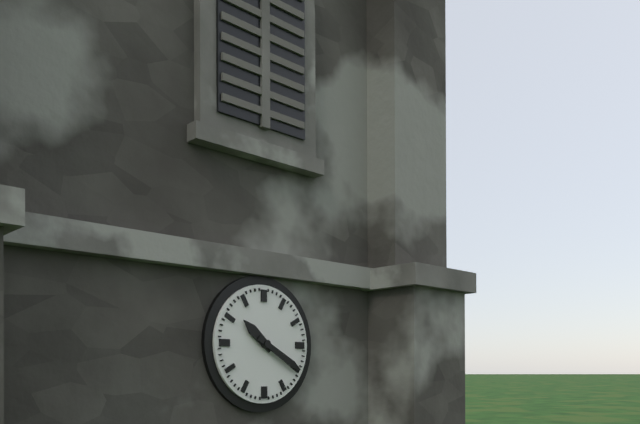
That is 10,20
